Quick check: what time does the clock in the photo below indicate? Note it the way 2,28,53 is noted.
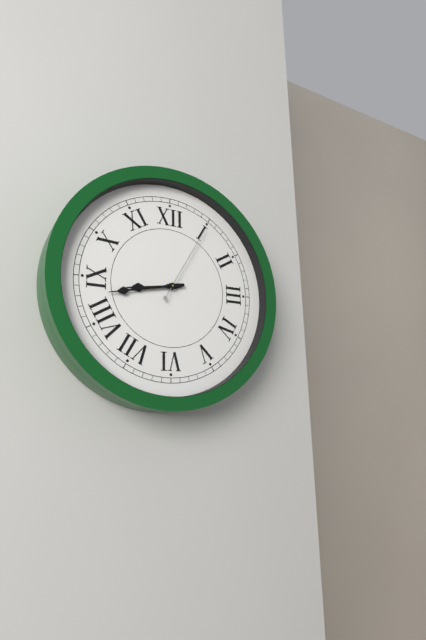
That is 8,43,05
